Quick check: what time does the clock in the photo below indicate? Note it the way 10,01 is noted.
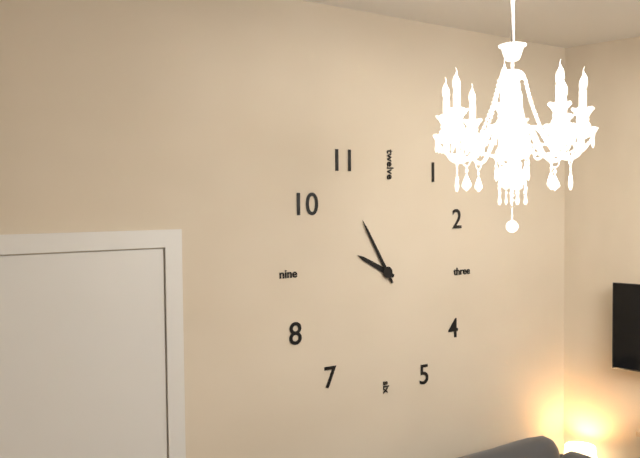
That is 9,55
